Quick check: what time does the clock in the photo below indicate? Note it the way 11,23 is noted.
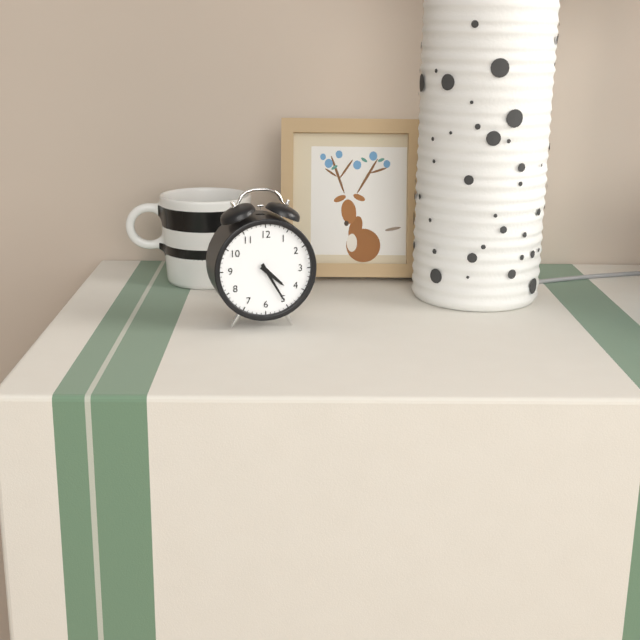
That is 4,25
